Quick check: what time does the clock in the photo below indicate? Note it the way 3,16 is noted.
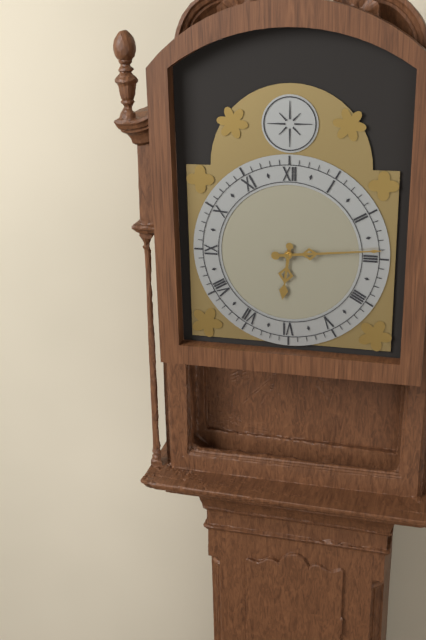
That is 6,14
